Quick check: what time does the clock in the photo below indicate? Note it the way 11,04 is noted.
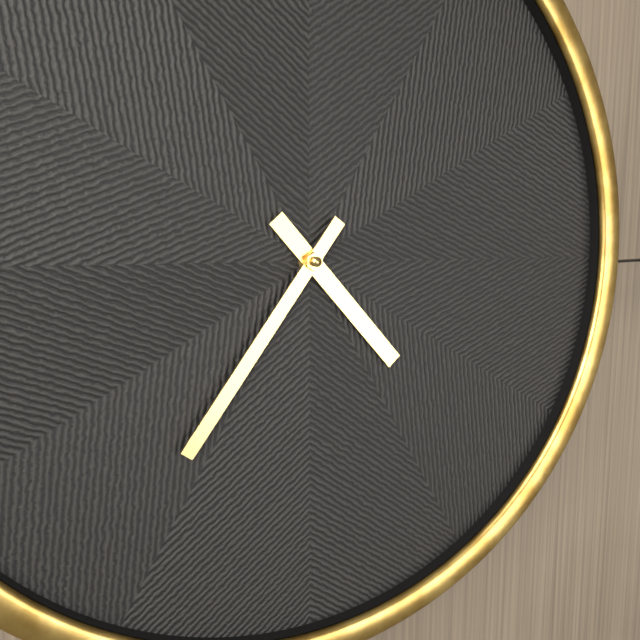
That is 4,36
